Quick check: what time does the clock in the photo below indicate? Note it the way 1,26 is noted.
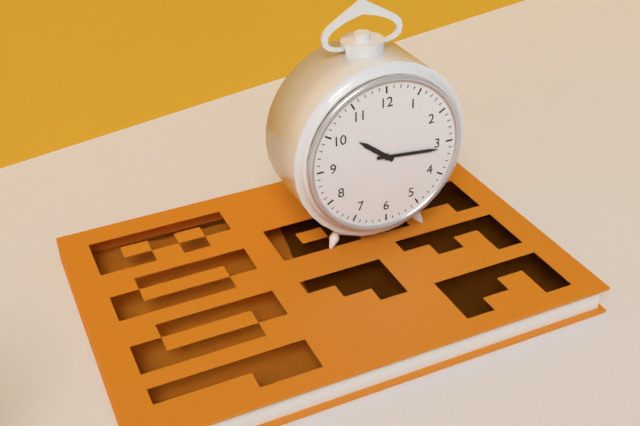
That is 10,16
